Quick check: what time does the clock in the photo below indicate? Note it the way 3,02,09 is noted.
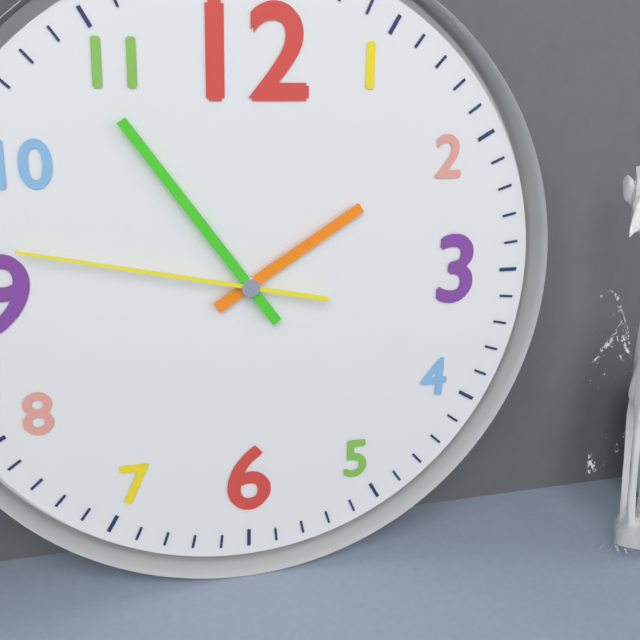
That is 1,54,47
